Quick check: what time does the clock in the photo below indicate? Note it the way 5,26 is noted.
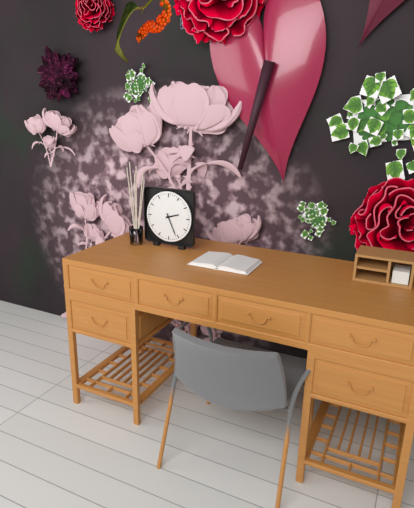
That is 2,26
